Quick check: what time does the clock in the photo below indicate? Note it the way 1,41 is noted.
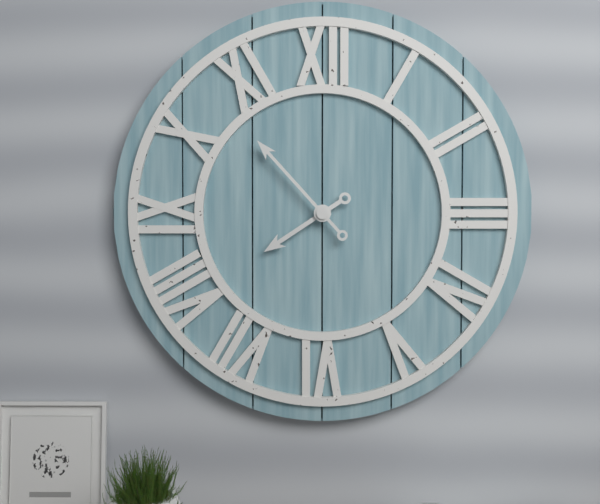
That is 7,53
